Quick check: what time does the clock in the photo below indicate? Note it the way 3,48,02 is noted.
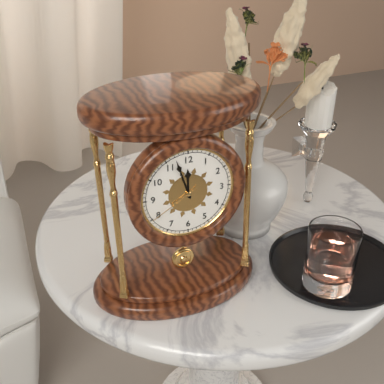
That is 11,57,40
